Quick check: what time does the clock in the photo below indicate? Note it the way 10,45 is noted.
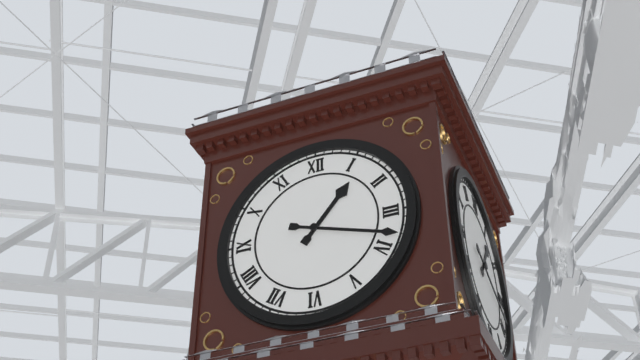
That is 1,18
